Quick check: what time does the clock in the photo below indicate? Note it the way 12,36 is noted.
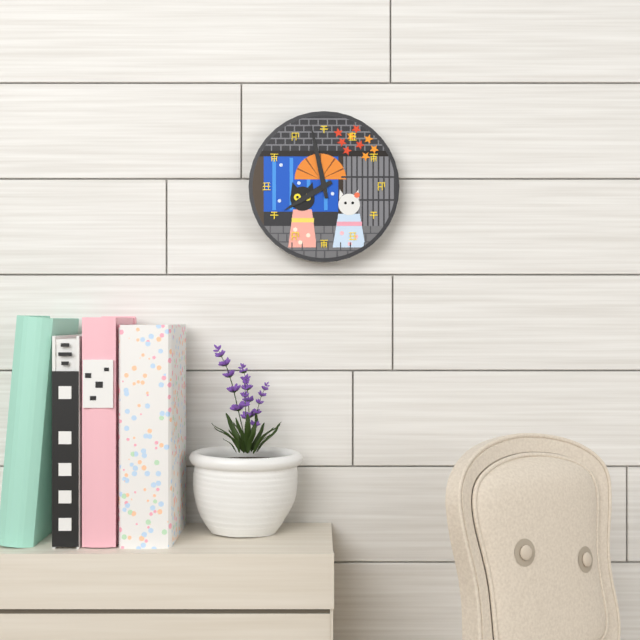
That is 7,58
